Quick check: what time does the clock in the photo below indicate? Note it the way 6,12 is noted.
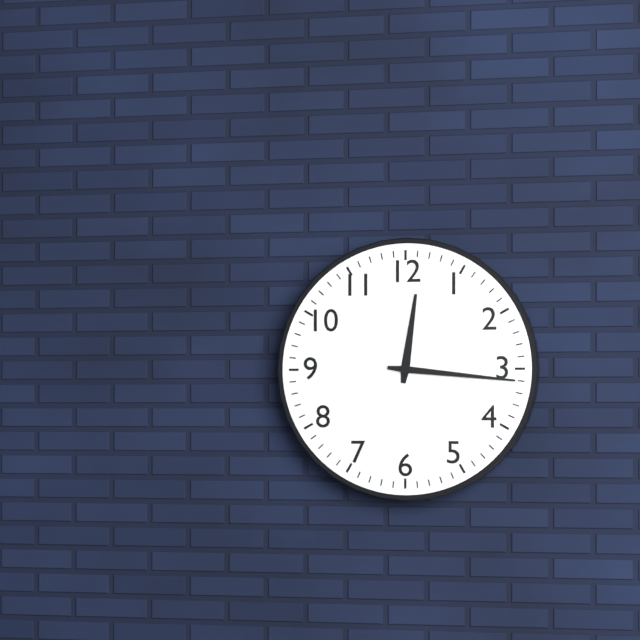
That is 12,16
